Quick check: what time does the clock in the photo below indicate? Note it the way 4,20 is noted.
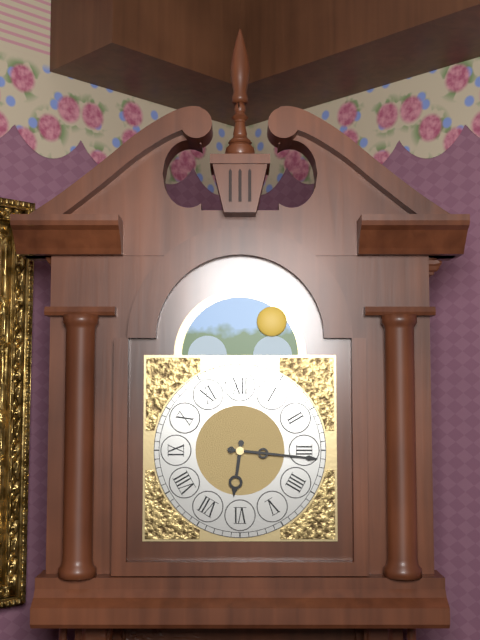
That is 6,16
